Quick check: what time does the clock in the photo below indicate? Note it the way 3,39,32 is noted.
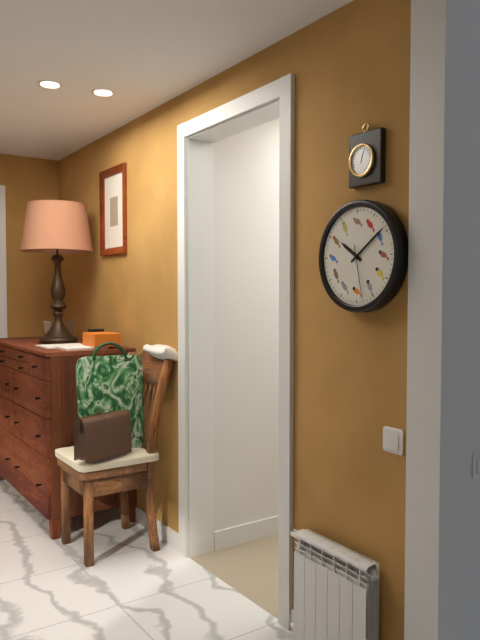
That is 10,09,28
